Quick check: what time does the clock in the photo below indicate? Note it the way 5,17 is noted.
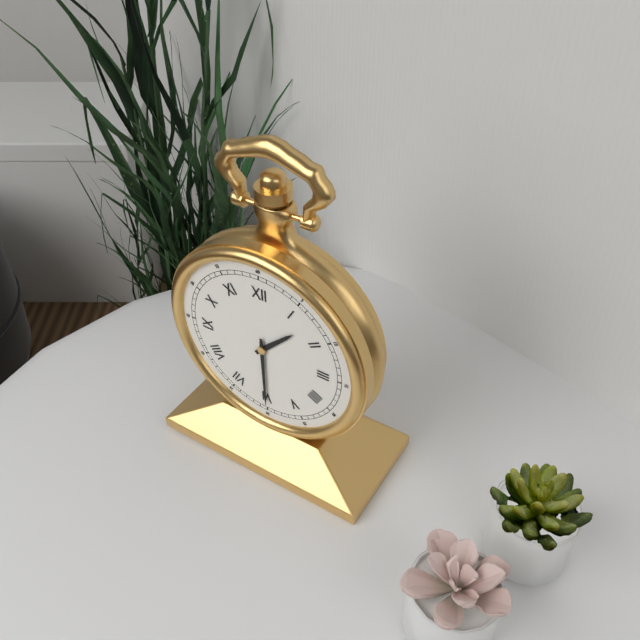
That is 1,30
